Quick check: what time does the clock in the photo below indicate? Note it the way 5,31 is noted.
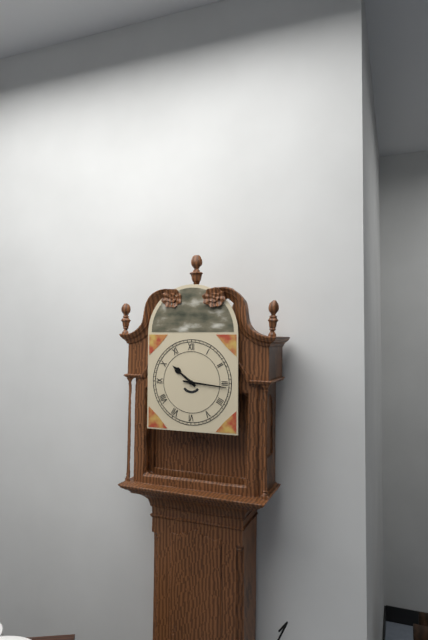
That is 10,16
